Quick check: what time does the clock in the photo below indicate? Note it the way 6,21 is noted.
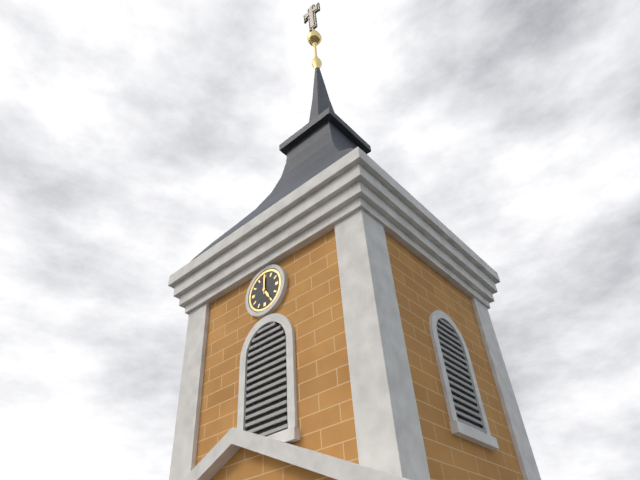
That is 5,00
